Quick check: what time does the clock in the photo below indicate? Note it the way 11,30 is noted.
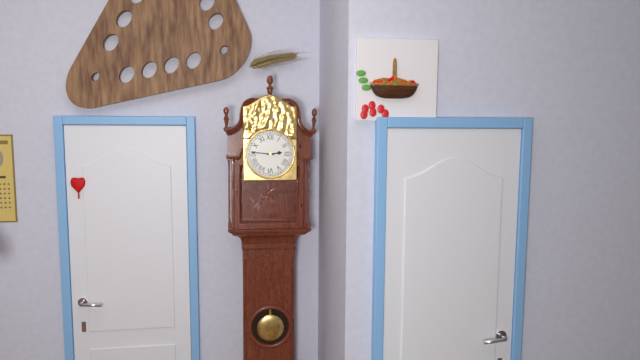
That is 2,46
